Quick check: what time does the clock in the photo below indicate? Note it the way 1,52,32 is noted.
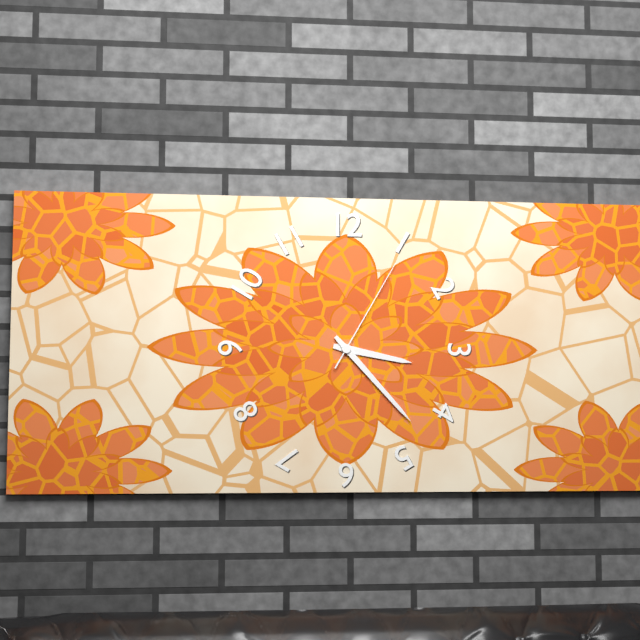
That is 3,23,05
